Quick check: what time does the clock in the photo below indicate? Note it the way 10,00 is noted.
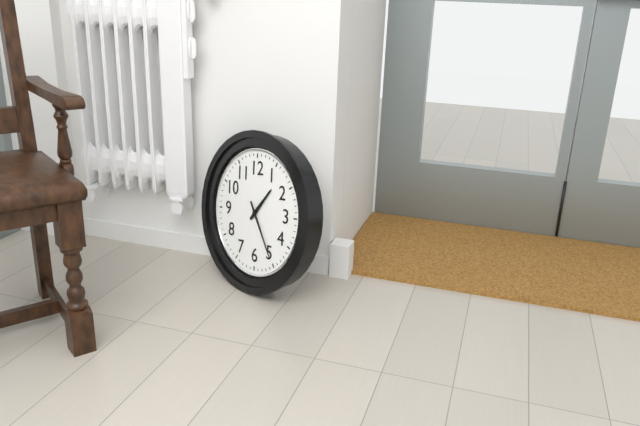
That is 1,25
